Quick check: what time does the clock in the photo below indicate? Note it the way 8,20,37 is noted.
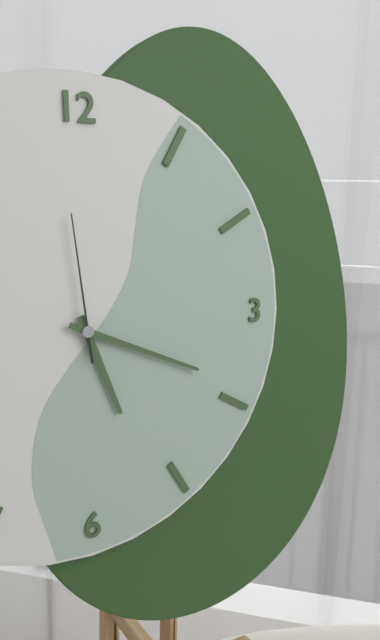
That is 5,19,59
